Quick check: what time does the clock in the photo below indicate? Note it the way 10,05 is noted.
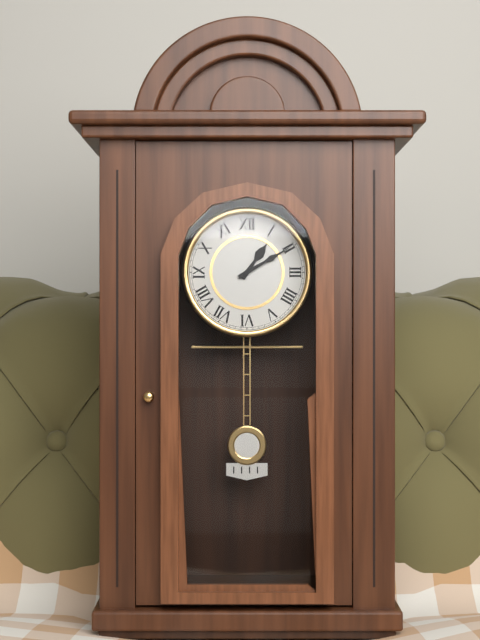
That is 1,10
